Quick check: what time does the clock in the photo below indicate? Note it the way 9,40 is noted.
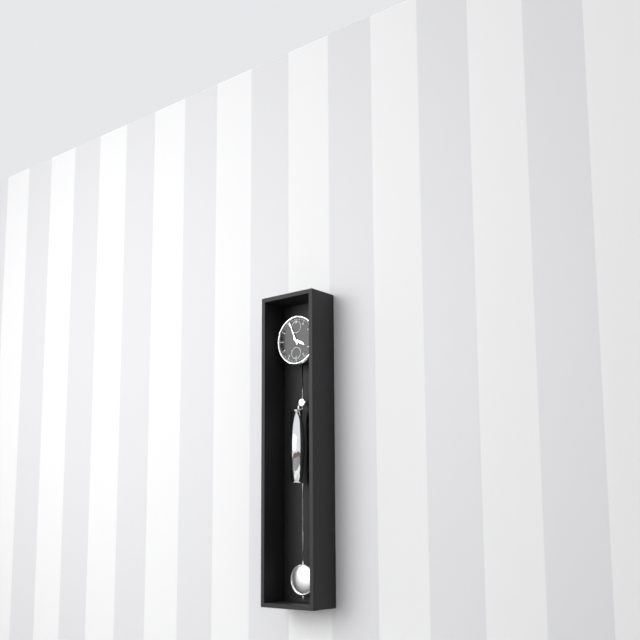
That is 3,56
